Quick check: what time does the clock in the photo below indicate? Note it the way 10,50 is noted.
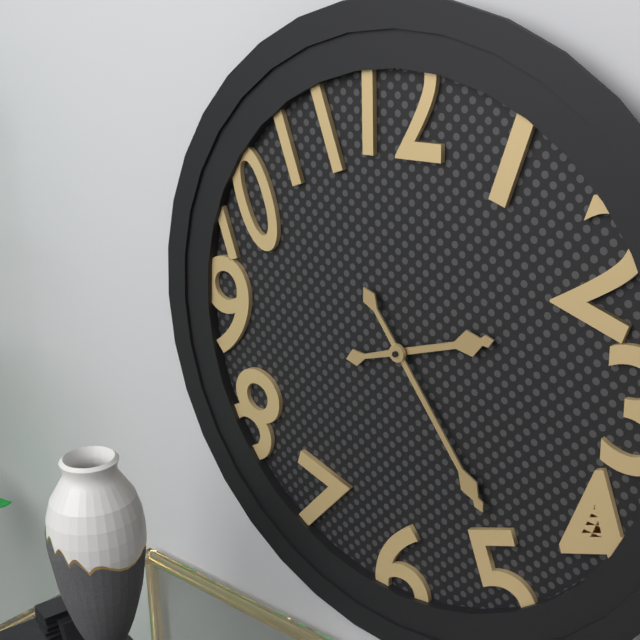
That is 2,24
